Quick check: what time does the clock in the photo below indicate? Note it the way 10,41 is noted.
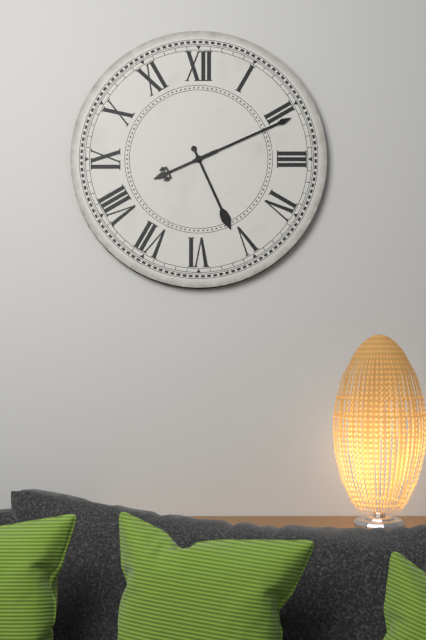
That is 5,11
